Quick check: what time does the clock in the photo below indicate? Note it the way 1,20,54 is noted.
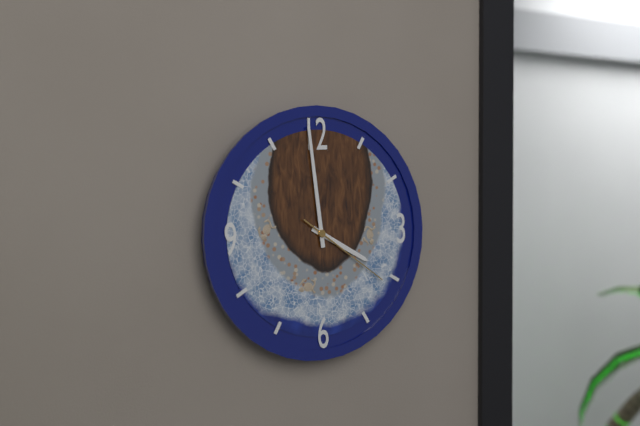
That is 3,59,21
